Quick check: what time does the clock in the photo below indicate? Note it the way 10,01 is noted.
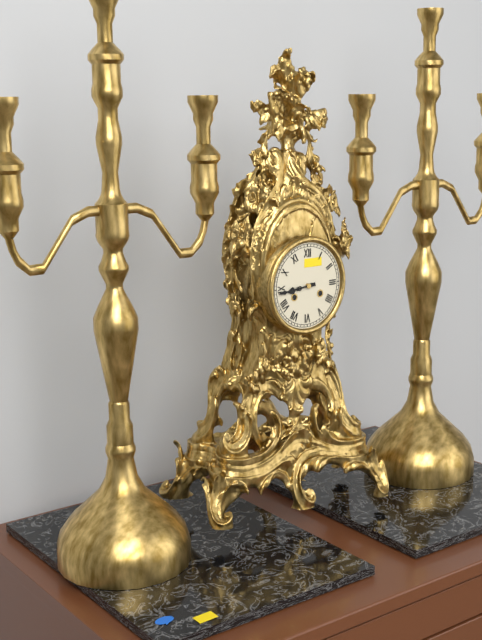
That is 8,44
